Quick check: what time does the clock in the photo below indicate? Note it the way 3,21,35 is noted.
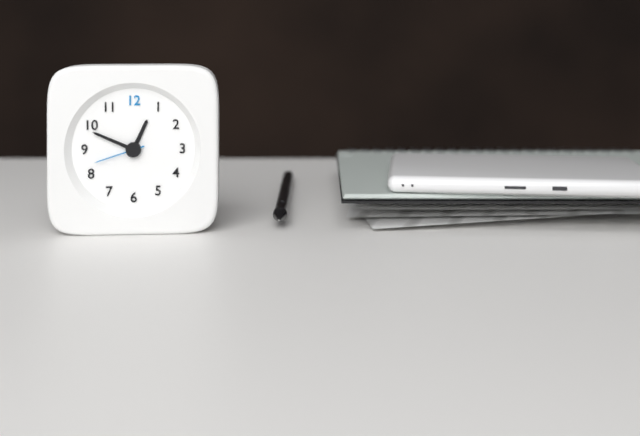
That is 12,49,42
